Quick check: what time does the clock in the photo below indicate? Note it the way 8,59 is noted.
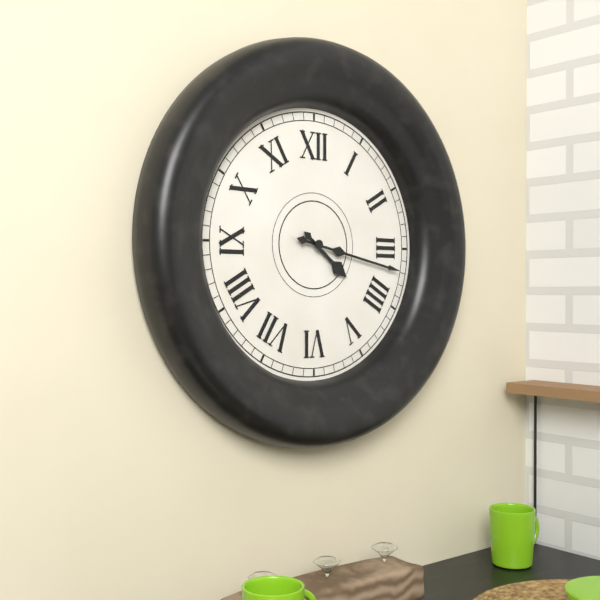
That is 4,17
